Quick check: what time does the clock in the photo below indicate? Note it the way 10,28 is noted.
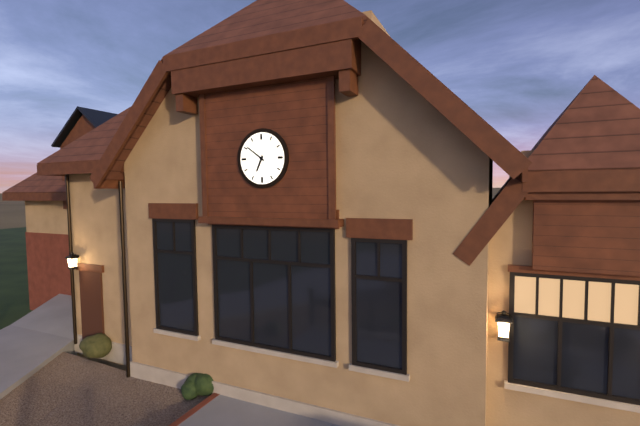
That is 6,51
